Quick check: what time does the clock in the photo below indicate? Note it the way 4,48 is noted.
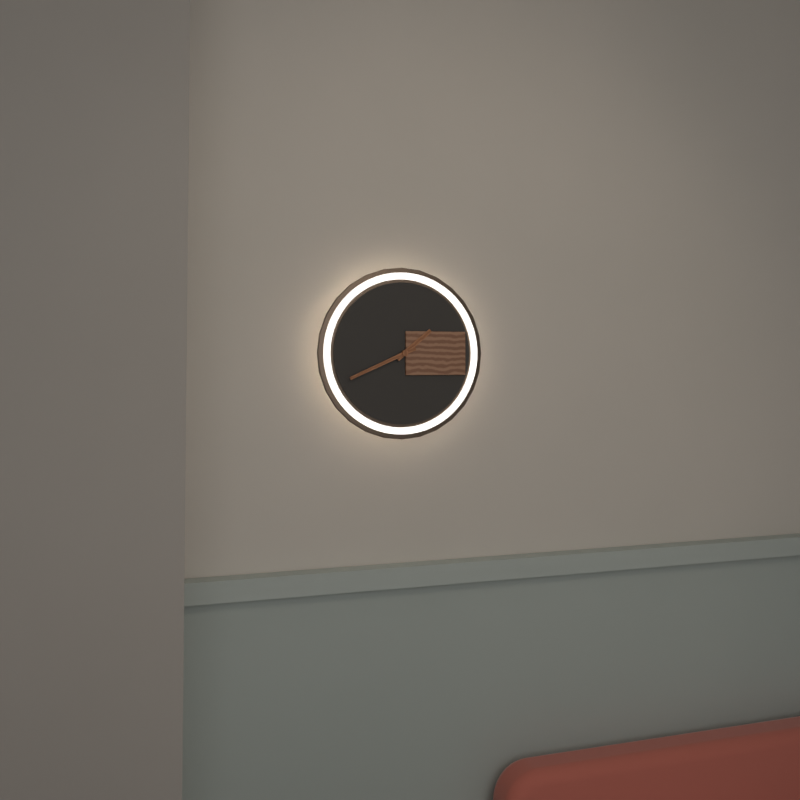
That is 1,41
